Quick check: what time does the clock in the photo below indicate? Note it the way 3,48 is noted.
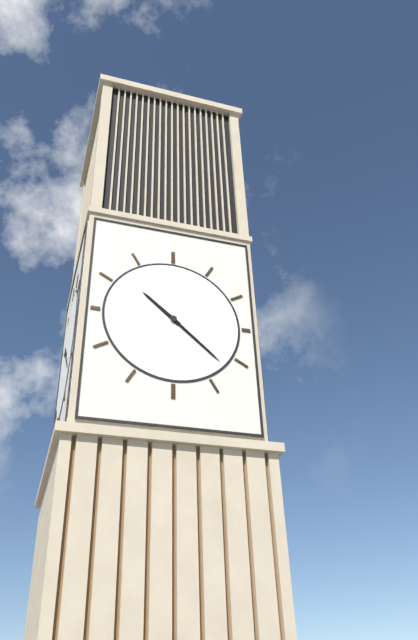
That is 10,22
